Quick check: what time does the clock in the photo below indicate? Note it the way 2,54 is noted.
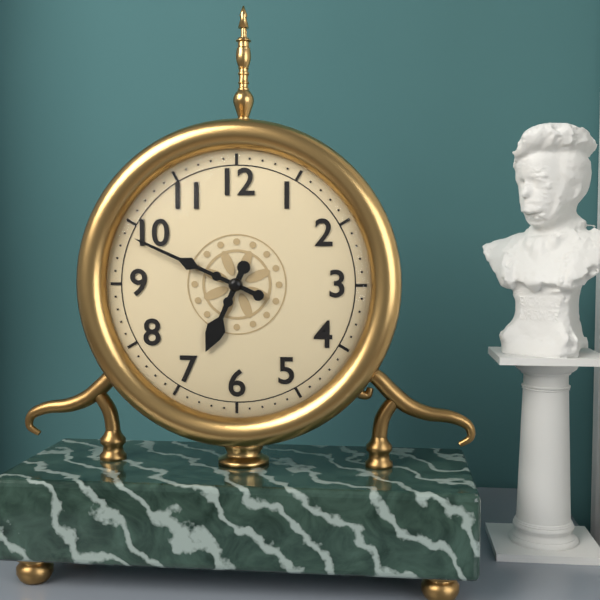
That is 6,49
